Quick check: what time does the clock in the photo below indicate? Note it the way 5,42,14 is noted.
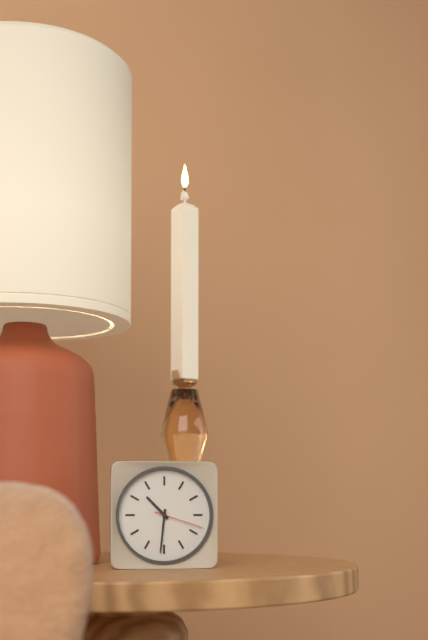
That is 10,31,18
